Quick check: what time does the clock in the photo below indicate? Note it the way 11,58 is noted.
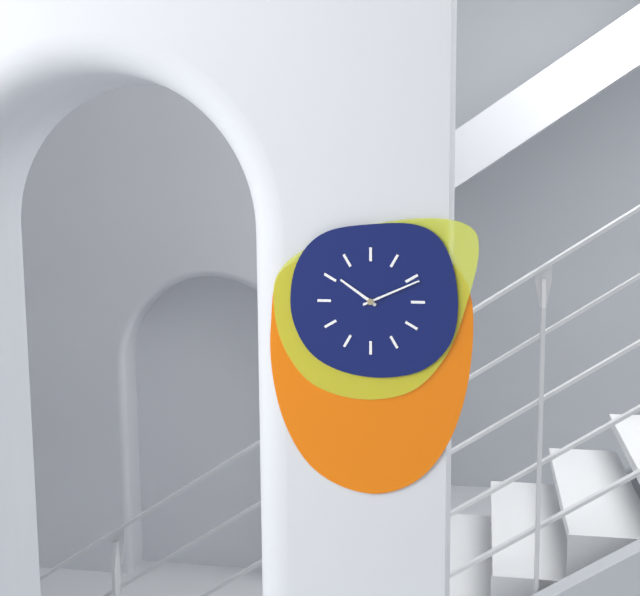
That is 10,11
